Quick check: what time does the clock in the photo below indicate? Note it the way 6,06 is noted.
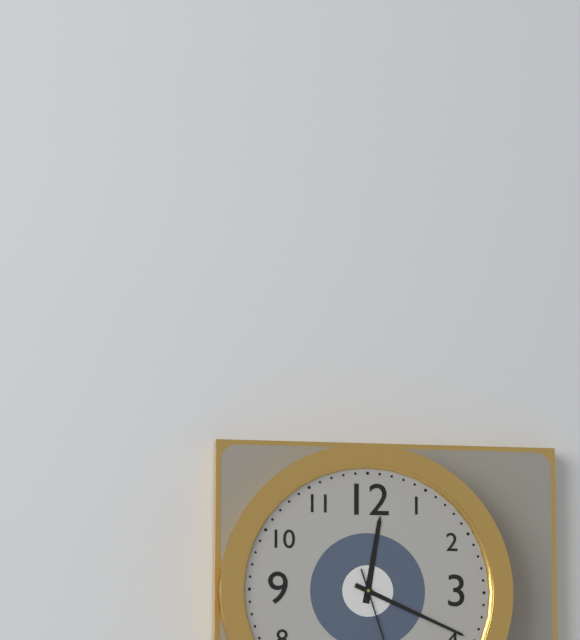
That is 12,19
